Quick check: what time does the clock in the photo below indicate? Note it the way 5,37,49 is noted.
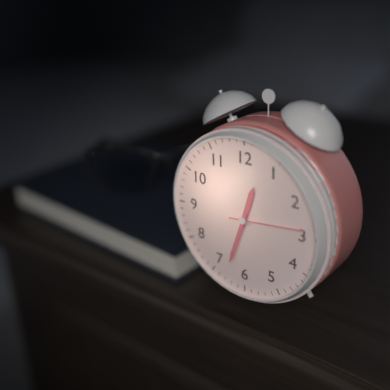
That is 12,33,14
